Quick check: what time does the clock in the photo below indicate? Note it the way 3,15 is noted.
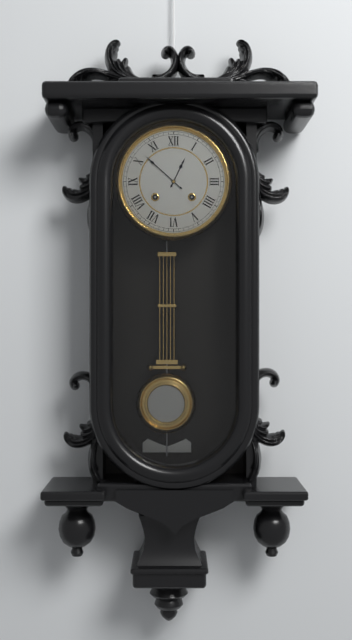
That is 12,52
